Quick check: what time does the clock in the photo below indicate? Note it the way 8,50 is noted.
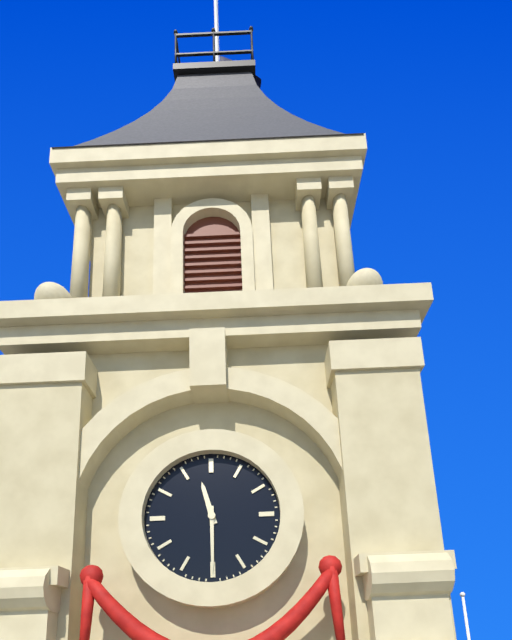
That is 11,30
